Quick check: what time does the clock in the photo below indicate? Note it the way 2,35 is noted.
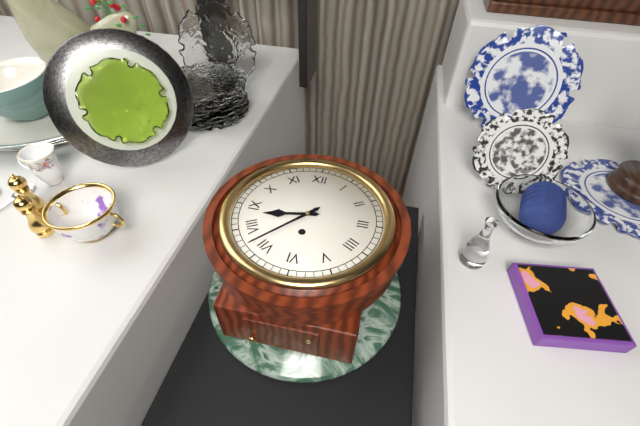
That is 8,37
